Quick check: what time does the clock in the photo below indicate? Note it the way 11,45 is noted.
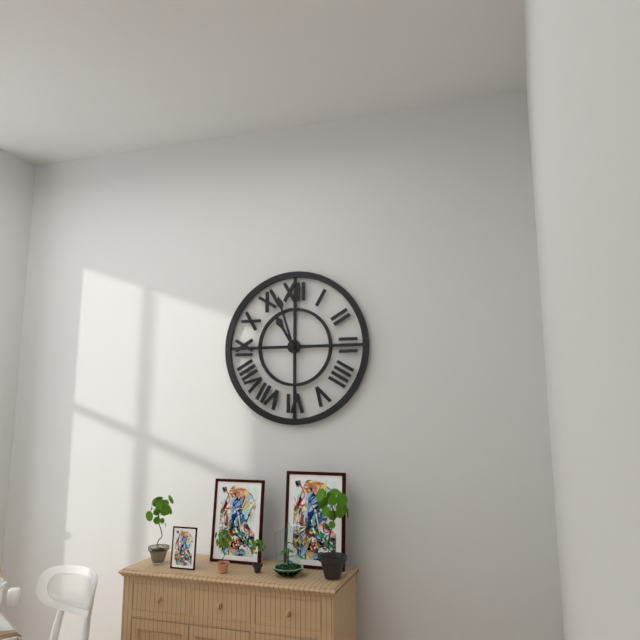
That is 10,57
